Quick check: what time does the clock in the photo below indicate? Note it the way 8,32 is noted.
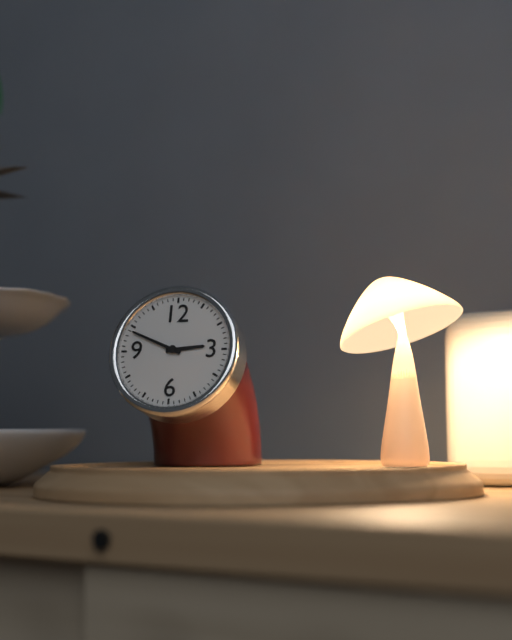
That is 2,49
